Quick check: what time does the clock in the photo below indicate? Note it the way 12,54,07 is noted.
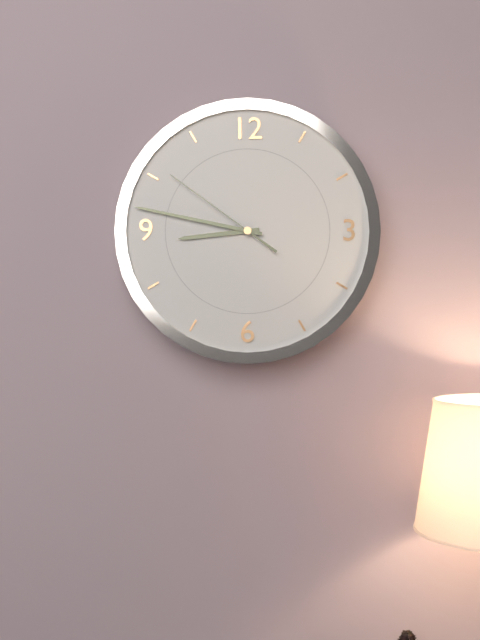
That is 8,47,51
